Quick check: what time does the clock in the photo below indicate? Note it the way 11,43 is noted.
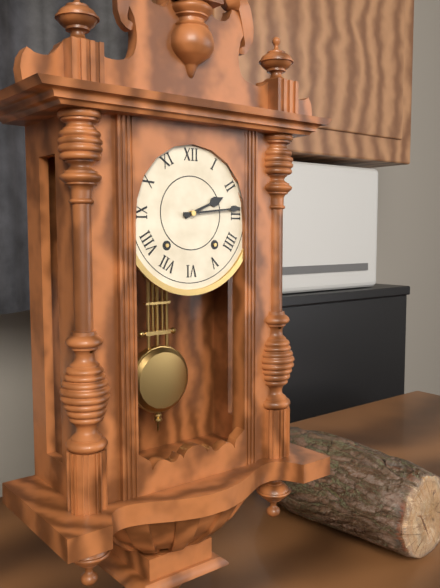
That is 2,14
